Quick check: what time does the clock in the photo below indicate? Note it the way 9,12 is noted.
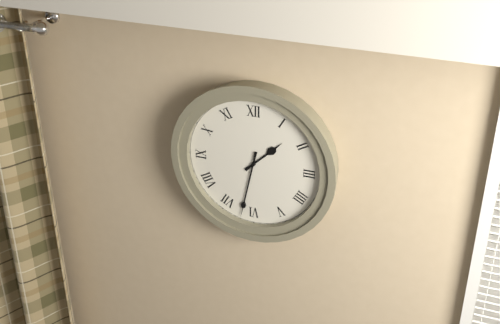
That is 1,32
